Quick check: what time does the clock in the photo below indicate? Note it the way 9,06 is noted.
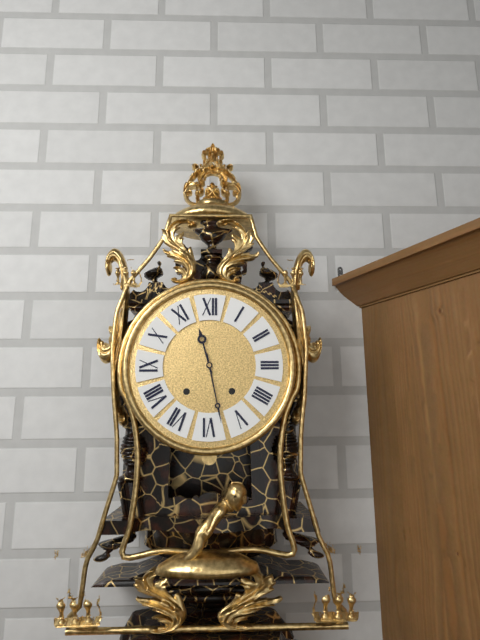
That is 11,28
